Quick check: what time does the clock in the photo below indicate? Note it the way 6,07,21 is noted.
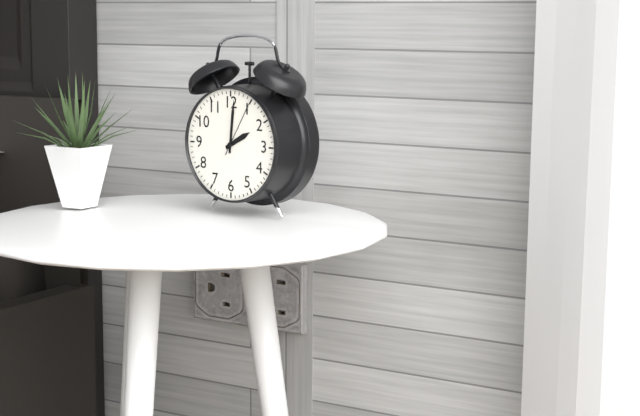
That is 2,01,05
